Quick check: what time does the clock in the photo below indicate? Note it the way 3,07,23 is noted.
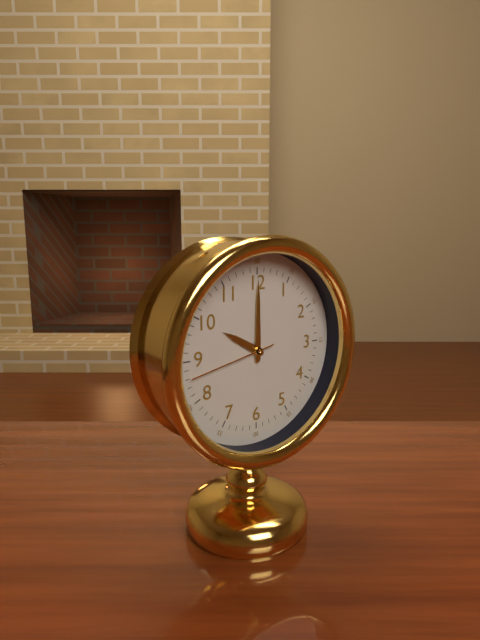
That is 10,00,43
